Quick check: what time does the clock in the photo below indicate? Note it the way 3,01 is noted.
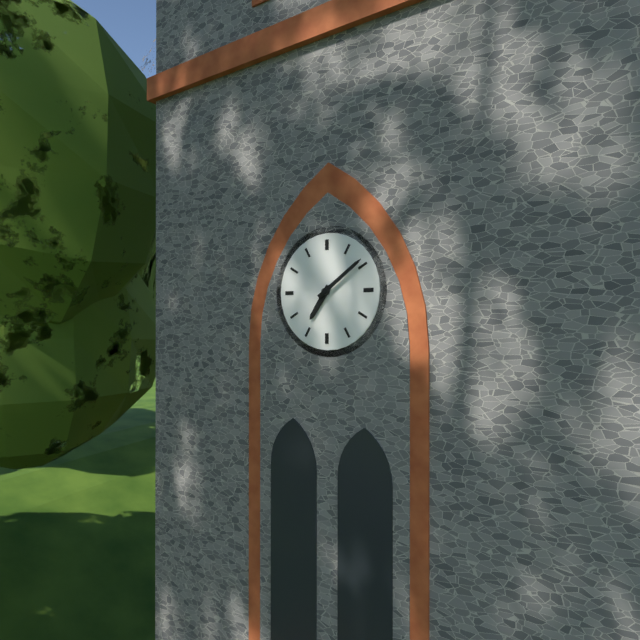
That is 7,09
